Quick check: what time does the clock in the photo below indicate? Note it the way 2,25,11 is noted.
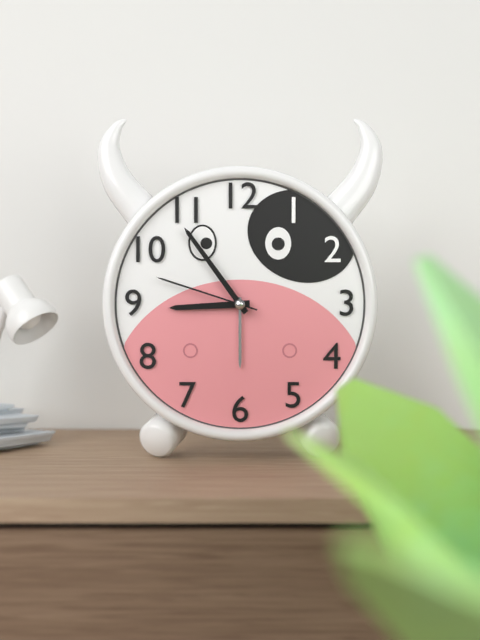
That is 8,54,48
